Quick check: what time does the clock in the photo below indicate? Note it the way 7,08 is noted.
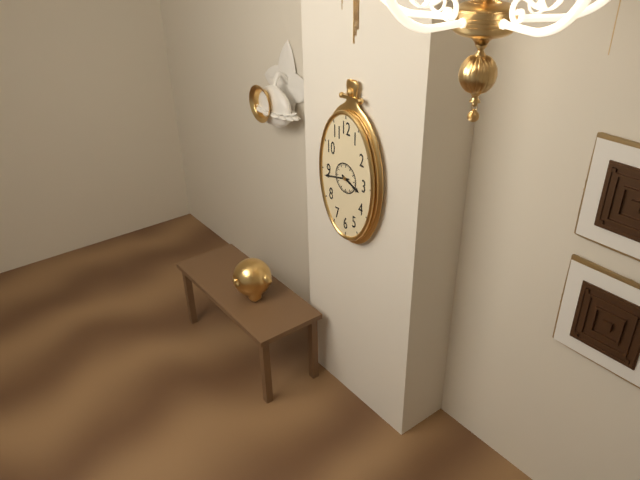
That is 3,43
